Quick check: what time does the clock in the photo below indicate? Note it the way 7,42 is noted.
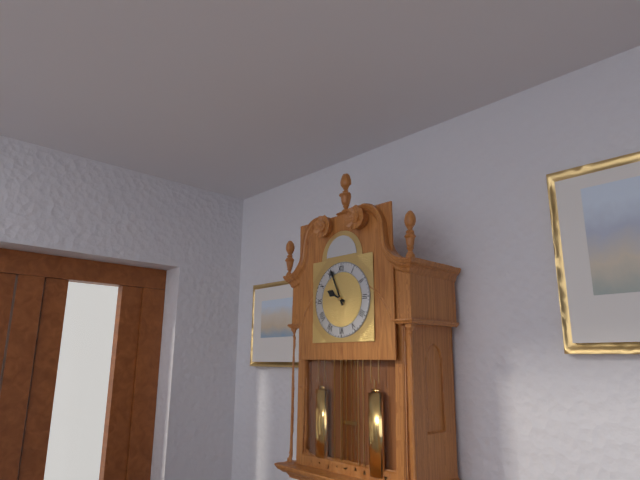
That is 9,56
